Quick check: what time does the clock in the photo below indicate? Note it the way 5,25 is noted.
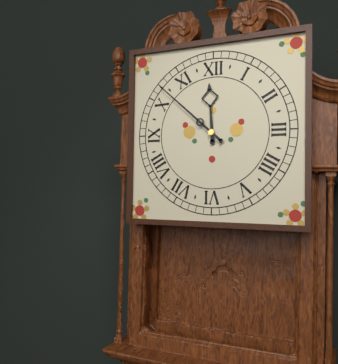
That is 11,52
